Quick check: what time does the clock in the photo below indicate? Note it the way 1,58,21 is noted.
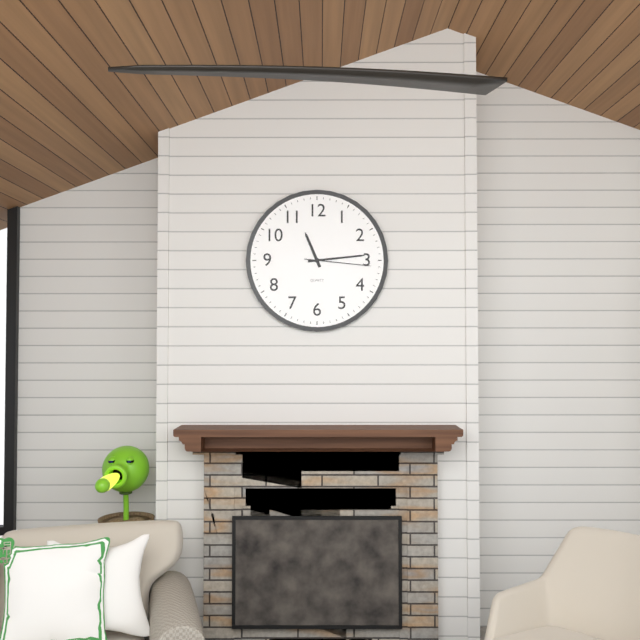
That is 11,14,16
